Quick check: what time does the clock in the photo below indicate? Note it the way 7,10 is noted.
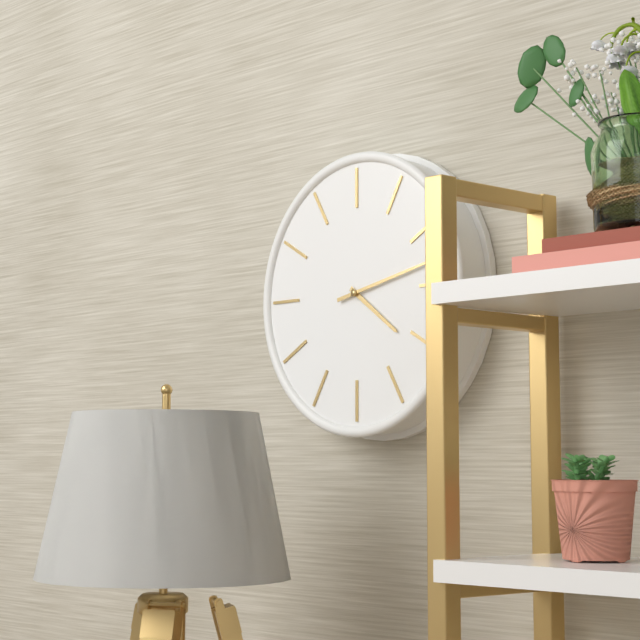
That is 4,13
